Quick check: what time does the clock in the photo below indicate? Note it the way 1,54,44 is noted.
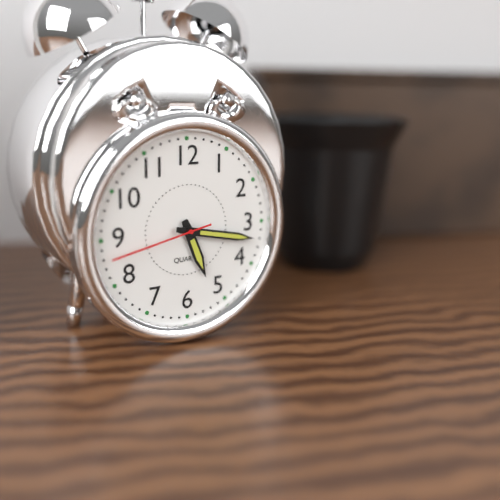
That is 5,17,43
